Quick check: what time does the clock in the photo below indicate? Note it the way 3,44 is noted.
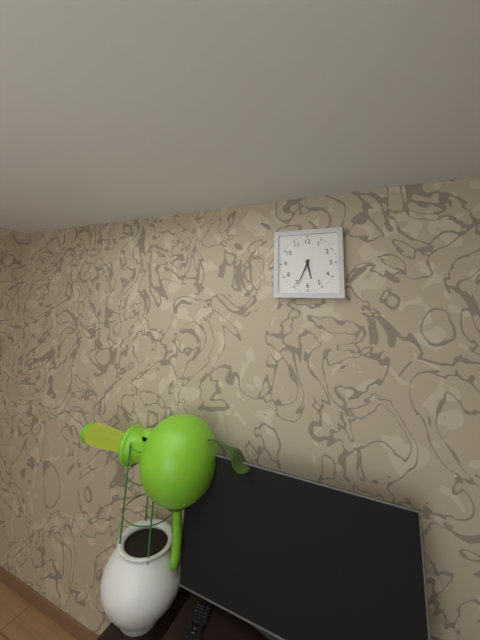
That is 5,34
